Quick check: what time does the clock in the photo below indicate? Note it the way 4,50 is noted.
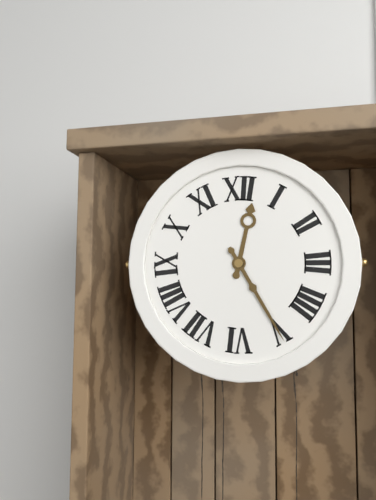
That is 12,25
